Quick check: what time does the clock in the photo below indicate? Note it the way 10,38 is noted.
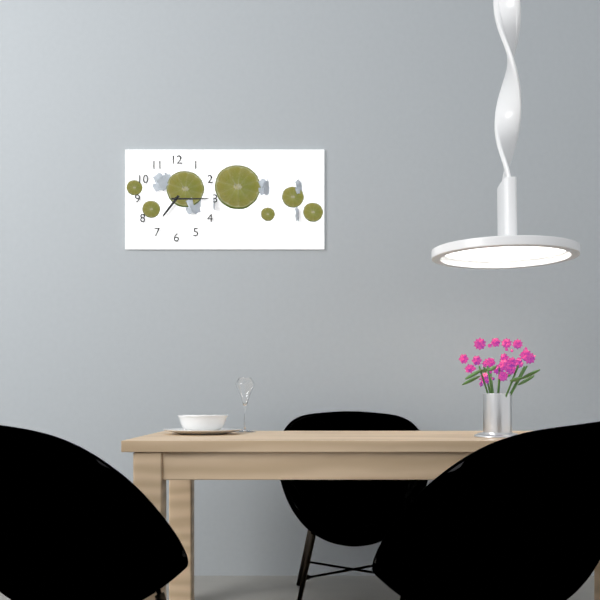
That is 7,15
